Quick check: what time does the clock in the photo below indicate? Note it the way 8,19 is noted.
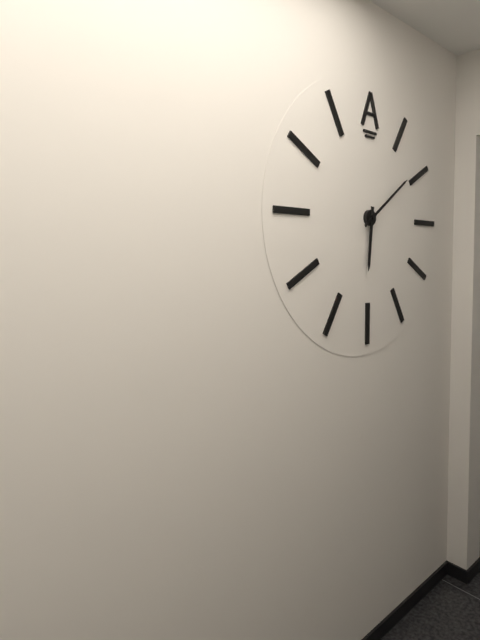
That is 6,09
